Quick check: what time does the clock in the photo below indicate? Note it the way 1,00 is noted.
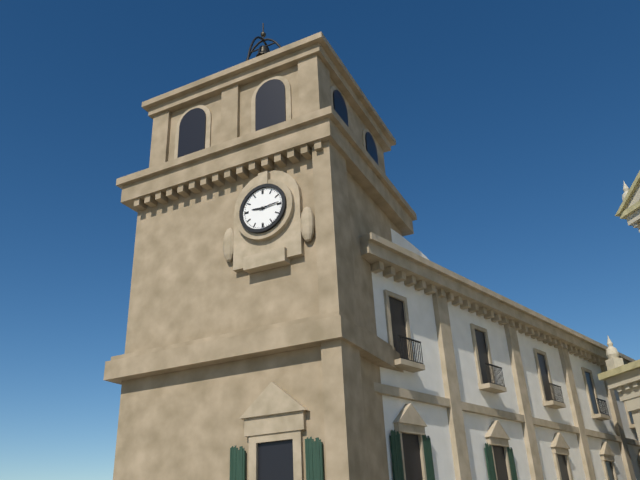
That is 9,14
